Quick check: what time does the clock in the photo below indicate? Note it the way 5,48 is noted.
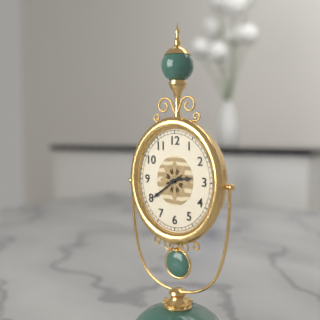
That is 2,39
